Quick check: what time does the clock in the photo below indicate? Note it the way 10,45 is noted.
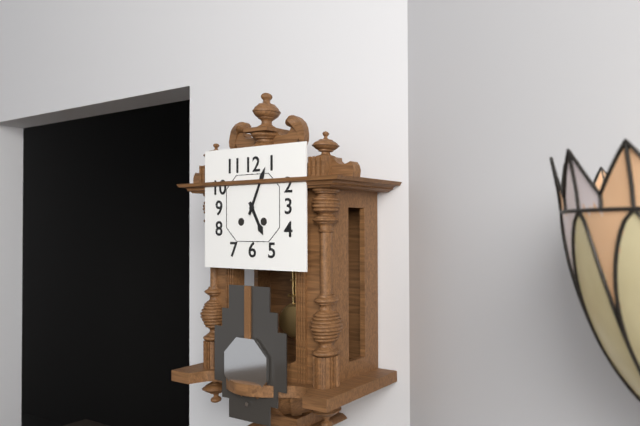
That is 5,04
